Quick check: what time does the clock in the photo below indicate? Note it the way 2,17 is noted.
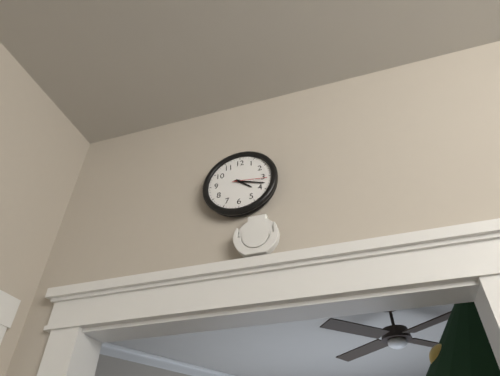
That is 4,18
